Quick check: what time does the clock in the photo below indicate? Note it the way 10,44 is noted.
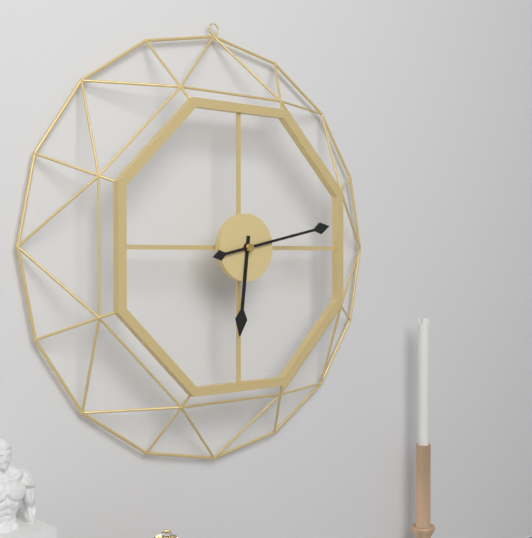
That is 6,13
